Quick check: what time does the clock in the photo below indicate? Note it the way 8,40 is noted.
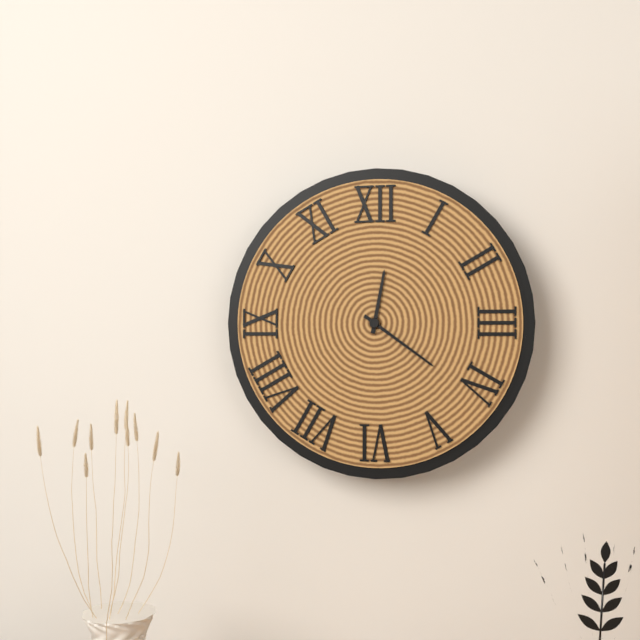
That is 12,21
